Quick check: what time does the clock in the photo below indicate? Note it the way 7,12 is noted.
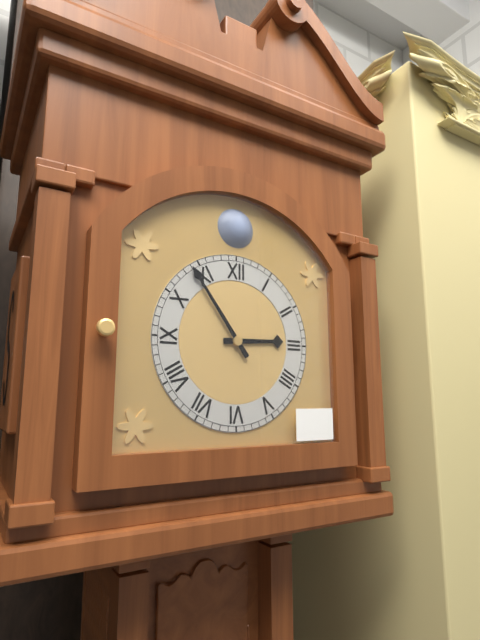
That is 2,54
